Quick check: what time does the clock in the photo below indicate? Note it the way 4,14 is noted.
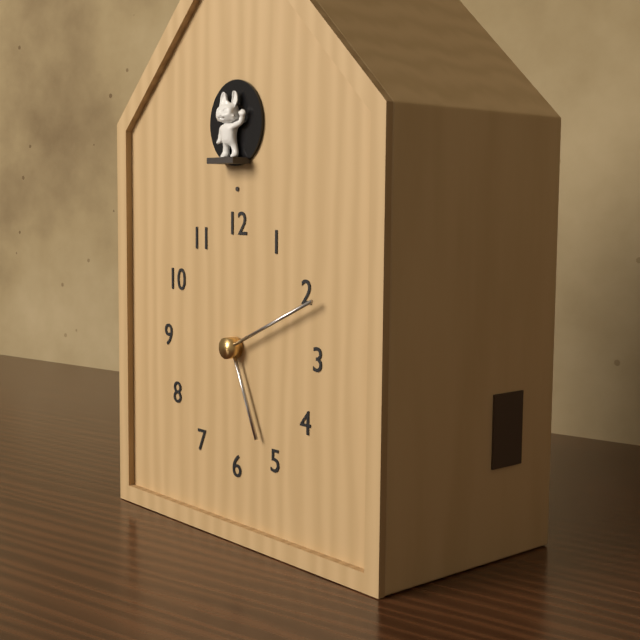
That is 5,11
